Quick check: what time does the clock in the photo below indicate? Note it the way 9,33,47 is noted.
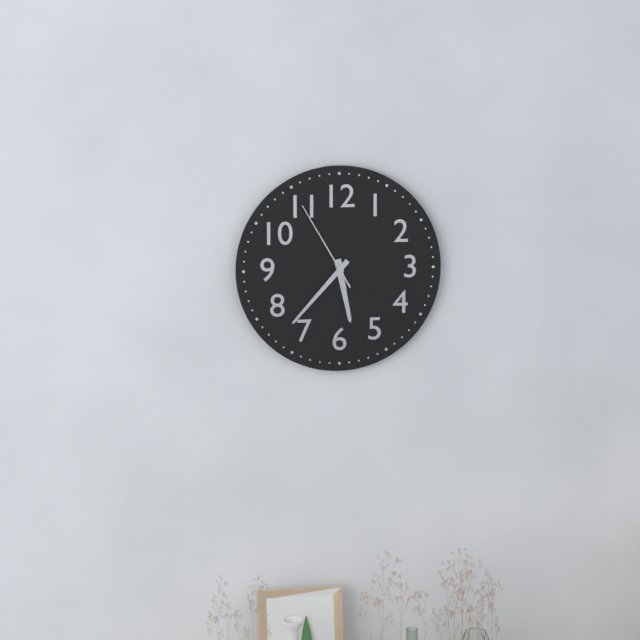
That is 5,37,55
